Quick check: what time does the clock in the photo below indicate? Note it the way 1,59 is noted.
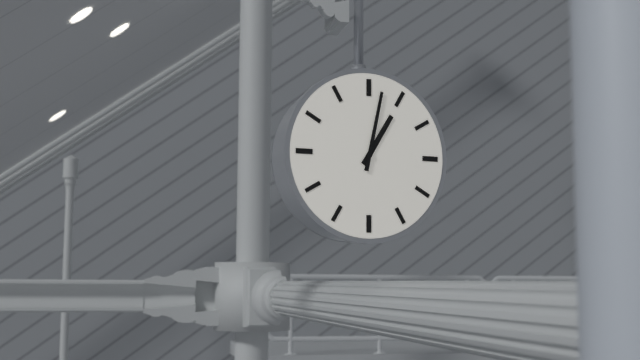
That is 1,02
